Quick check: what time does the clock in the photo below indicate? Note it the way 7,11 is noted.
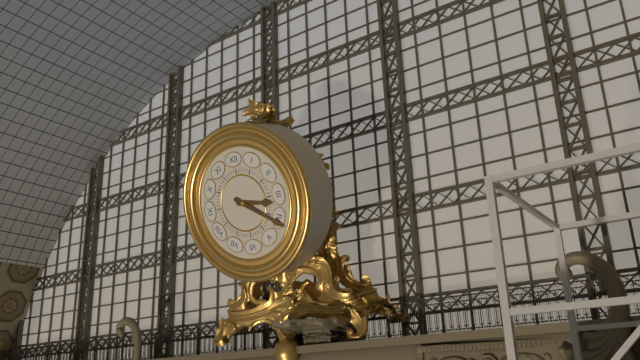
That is 3,21
